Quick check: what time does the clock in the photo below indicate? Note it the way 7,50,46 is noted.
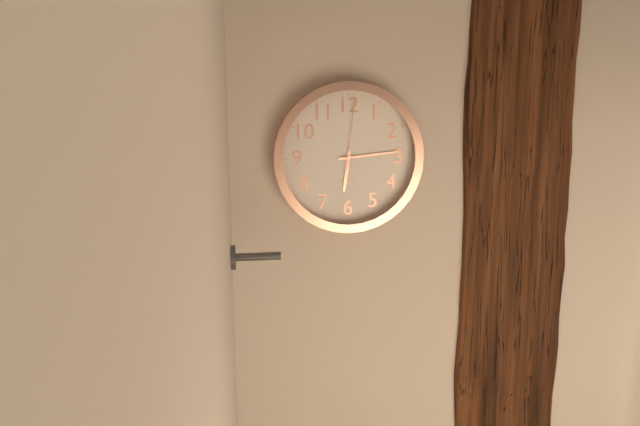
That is 6,14,01
